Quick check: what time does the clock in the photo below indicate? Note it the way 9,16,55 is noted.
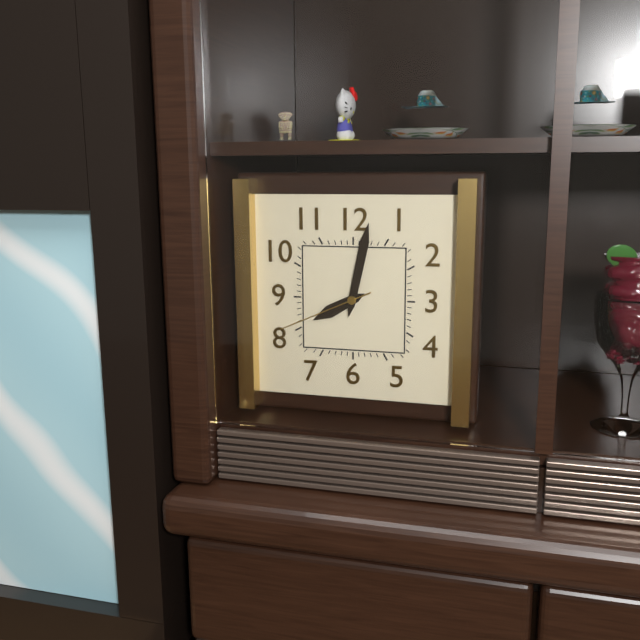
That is 8,02,41
